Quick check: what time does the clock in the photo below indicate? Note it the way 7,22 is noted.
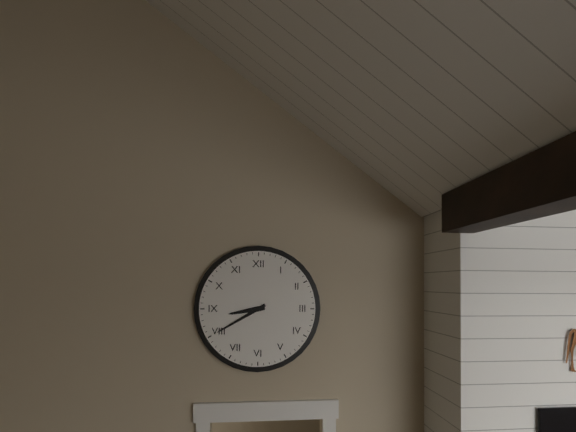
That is 8,40
